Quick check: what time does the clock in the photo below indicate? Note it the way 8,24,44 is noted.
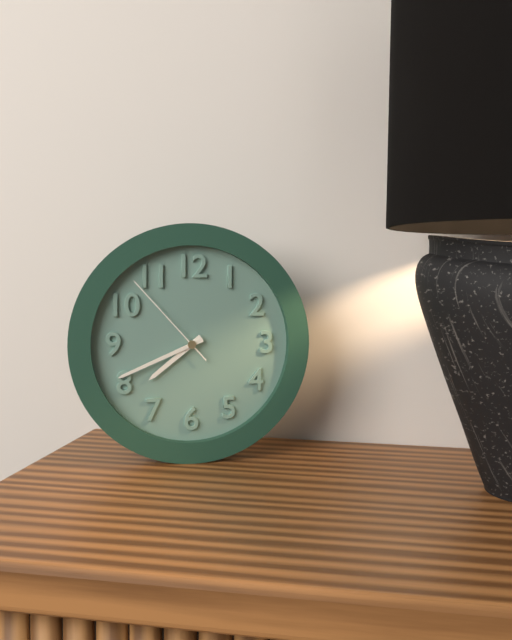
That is 7,41,53
